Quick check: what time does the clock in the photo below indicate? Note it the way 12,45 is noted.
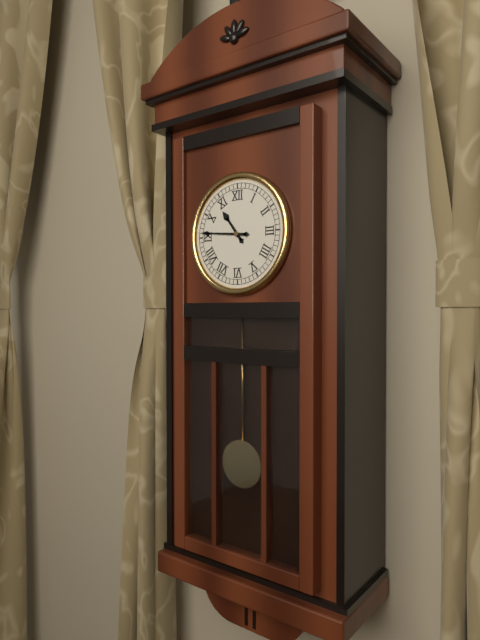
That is 10,46
